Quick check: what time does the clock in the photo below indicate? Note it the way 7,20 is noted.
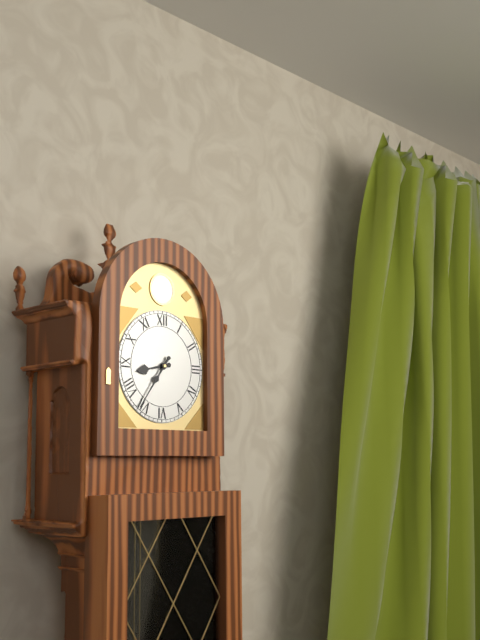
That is 8,36
